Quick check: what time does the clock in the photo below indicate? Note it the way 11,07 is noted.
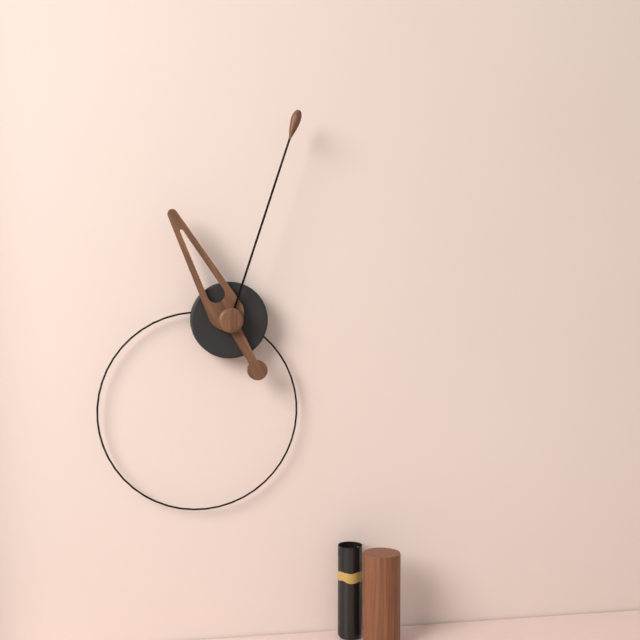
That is 11,03
